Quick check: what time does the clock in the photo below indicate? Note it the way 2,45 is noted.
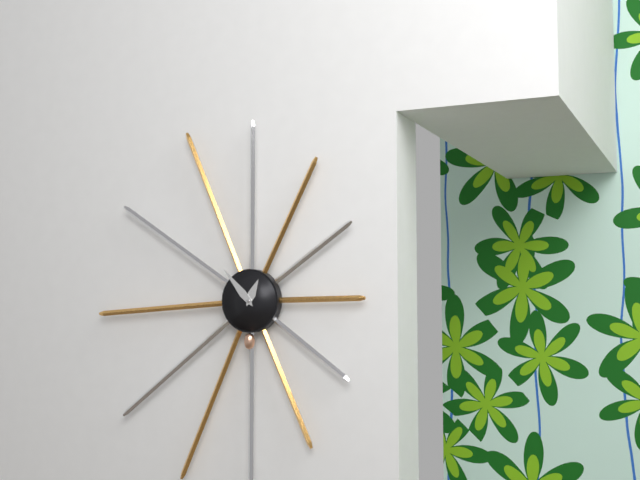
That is 12,53
